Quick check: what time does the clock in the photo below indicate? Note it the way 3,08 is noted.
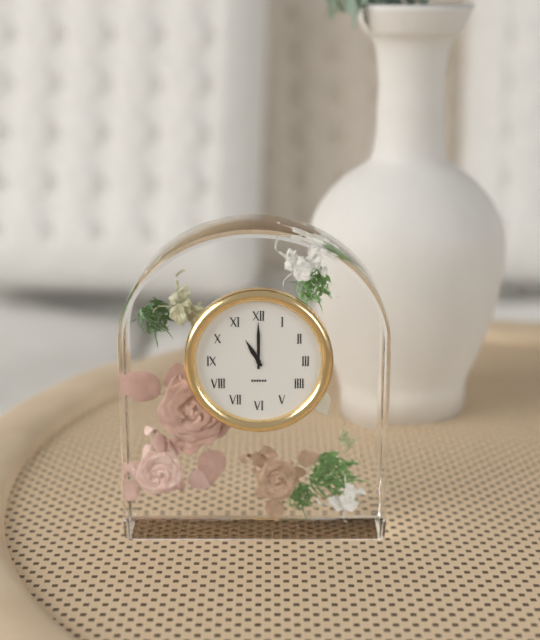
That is 11,00
